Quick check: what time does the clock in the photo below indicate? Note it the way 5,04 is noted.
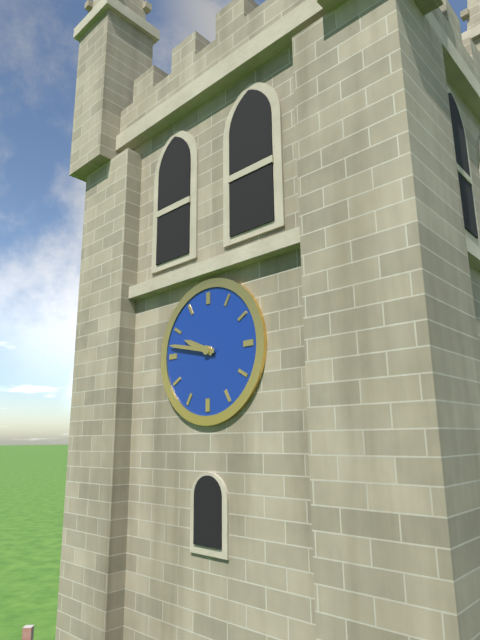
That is 9,47
